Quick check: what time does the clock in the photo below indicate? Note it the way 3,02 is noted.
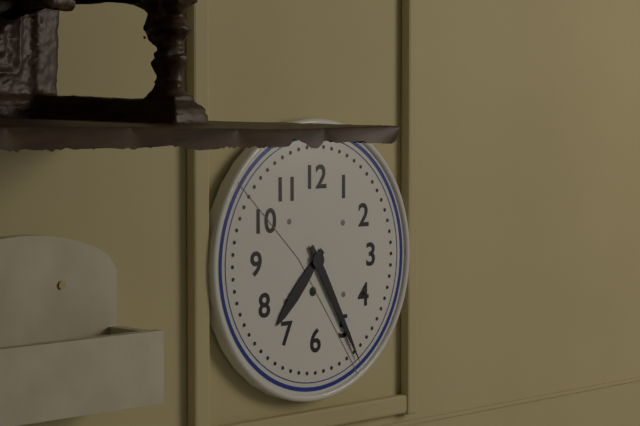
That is 7,25
